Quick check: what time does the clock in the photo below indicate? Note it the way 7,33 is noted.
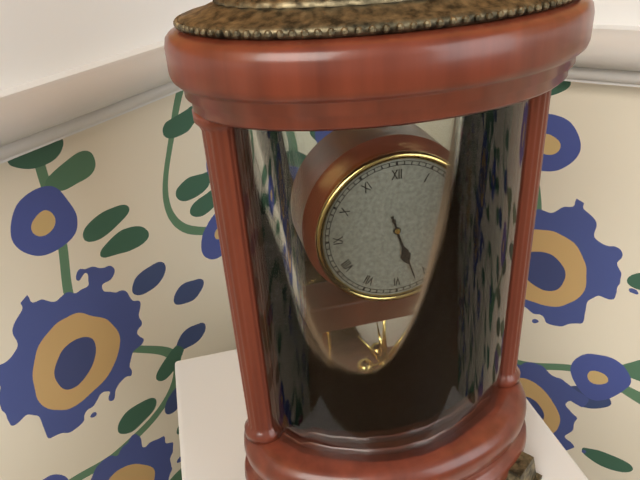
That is 5,27
